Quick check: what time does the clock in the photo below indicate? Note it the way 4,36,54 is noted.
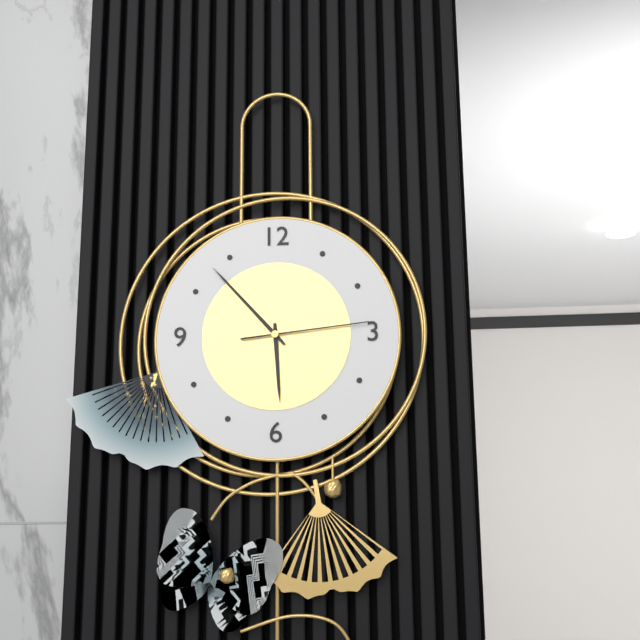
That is 5,53,14
